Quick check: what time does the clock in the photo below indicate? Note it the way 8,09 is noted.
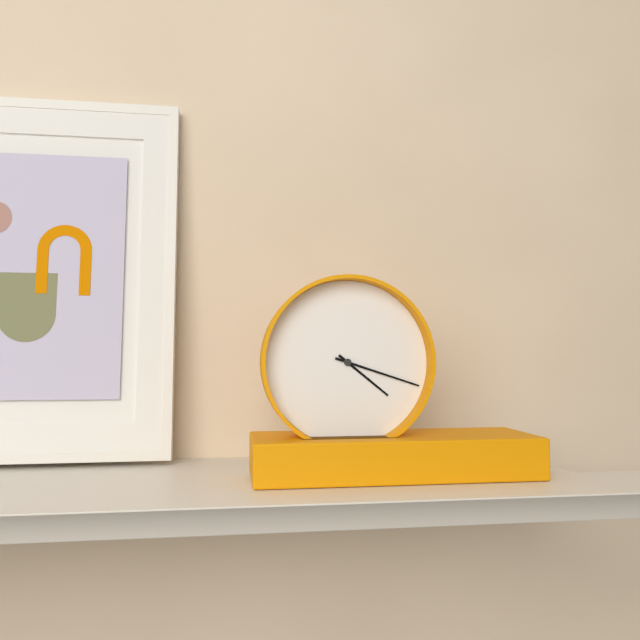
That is 4,18
